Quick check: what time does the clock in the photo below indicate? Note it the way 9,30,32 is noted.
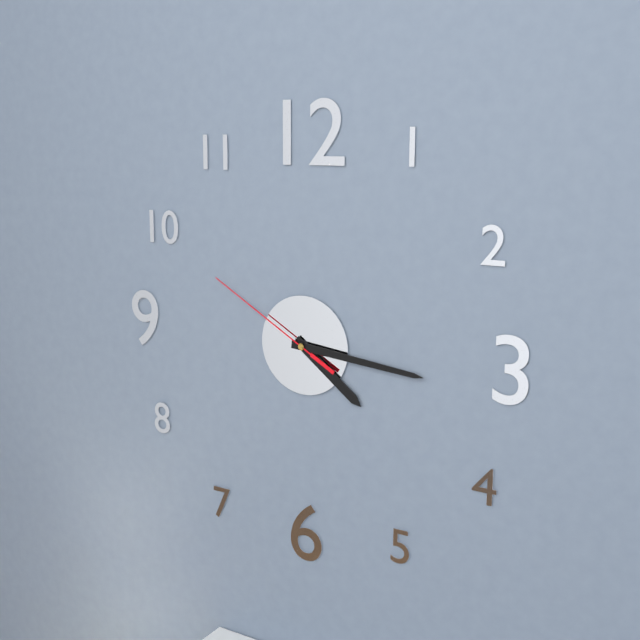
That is 4,16,50
